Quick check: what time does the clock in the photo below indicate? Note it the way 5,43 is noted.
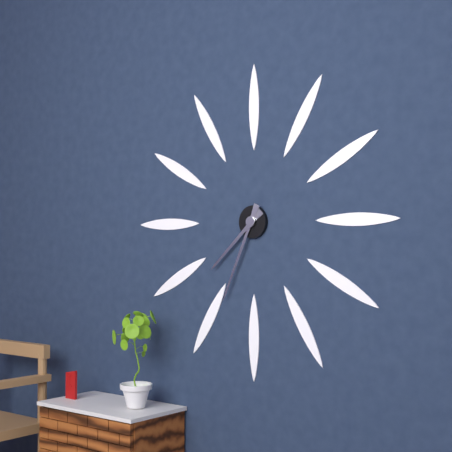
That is 7,34
